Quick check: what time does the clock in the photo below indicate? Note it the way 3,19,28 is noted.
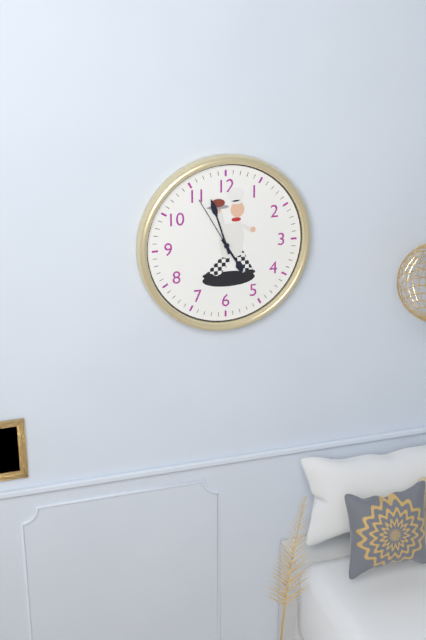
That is 4,57,55
